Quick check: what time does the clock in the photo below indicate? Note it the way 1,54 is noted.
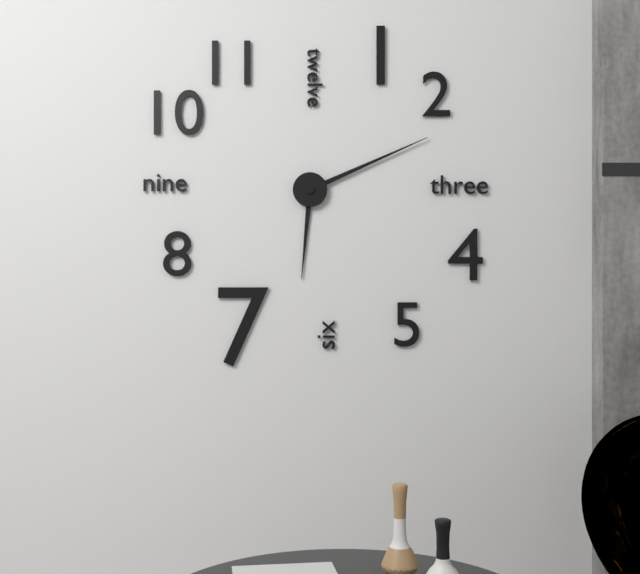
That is 6,11
